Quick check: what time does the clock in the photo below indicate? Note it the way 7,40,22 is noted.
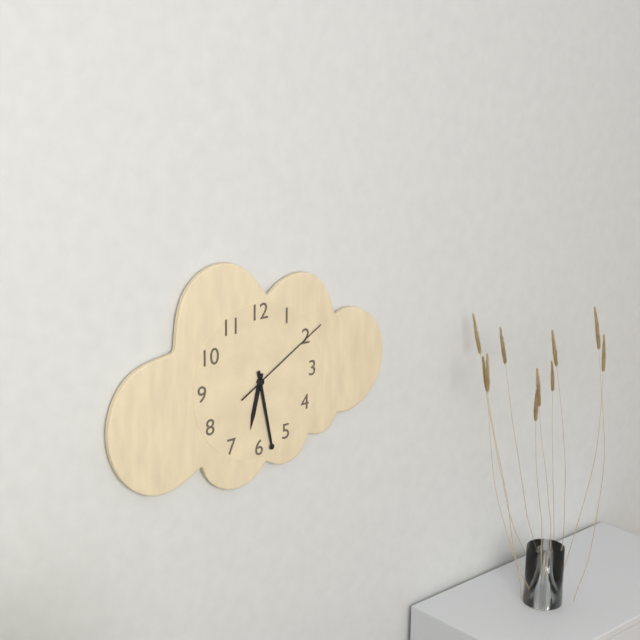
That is 6,28,10
